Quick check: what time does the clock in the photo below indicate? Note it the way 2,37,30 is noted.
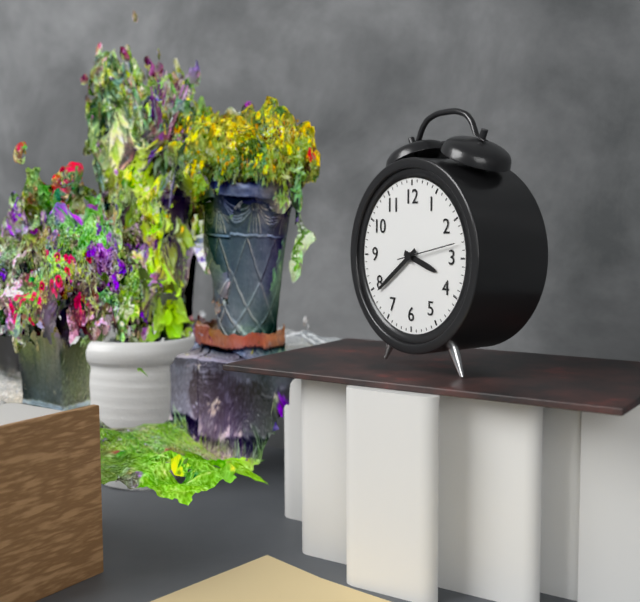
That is 3,39,13
